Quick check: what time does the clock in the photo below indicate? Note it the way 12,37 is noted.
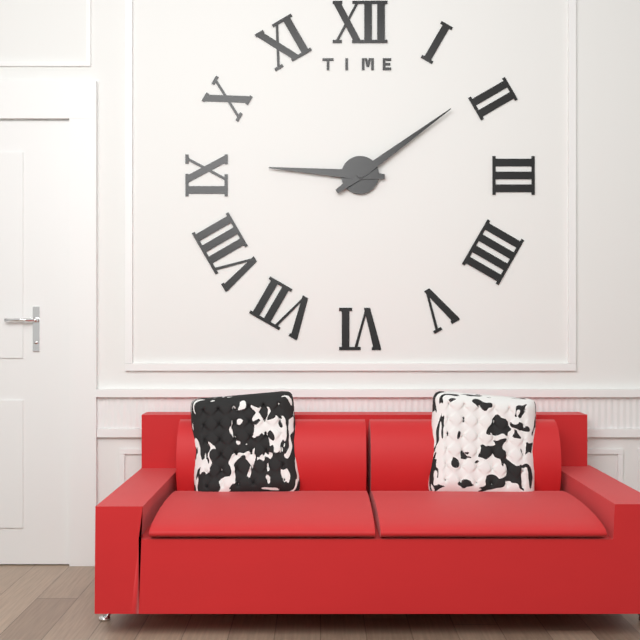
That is 9,09
